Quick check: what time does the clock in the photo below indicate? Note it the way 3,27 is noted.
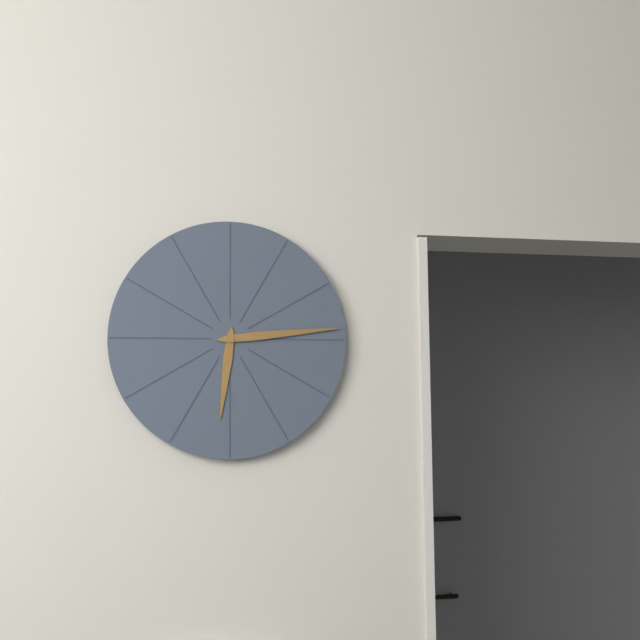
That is 6,14
